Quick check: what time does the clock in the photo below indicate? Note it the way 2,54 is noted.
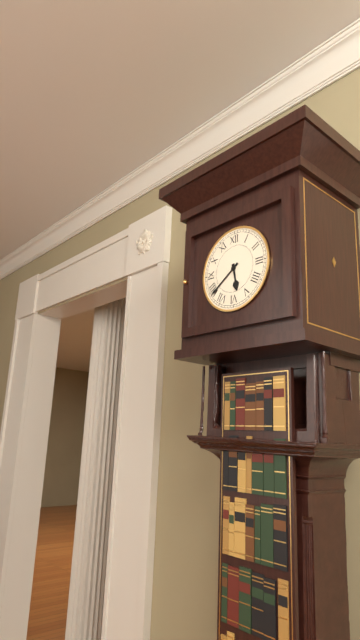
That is 5,39
